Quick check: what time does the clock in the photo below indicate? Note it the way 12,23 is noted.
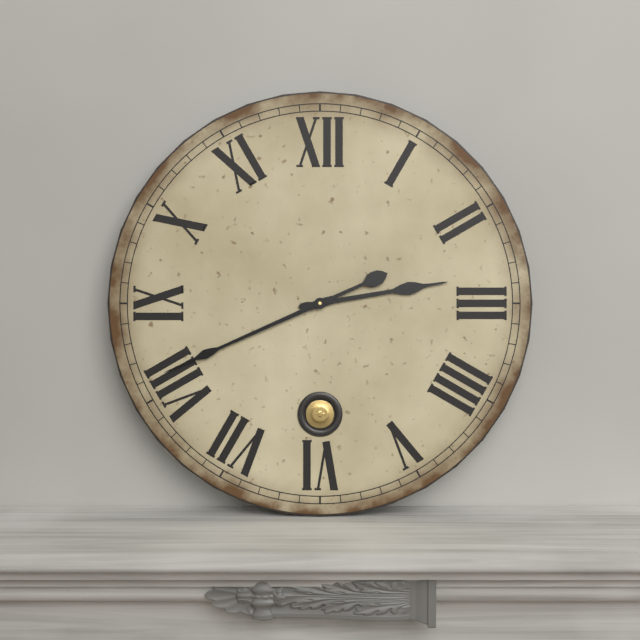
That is 2,41
